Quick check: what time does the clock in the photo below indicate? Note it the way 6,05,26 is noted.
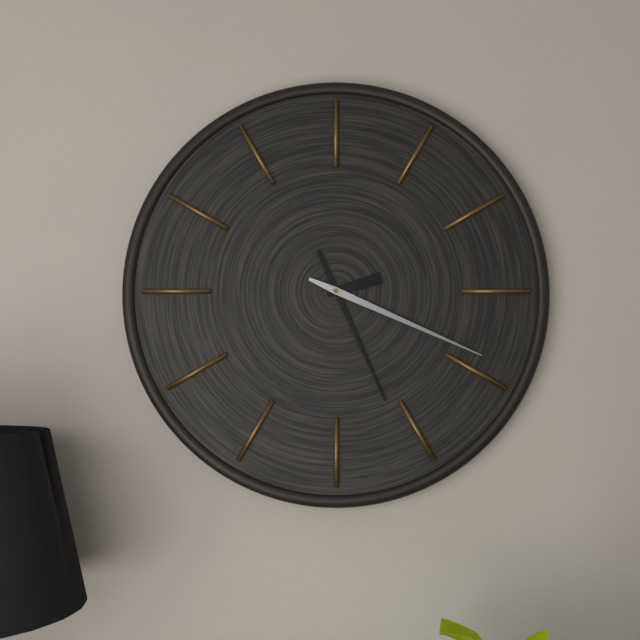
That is 2,26,19
